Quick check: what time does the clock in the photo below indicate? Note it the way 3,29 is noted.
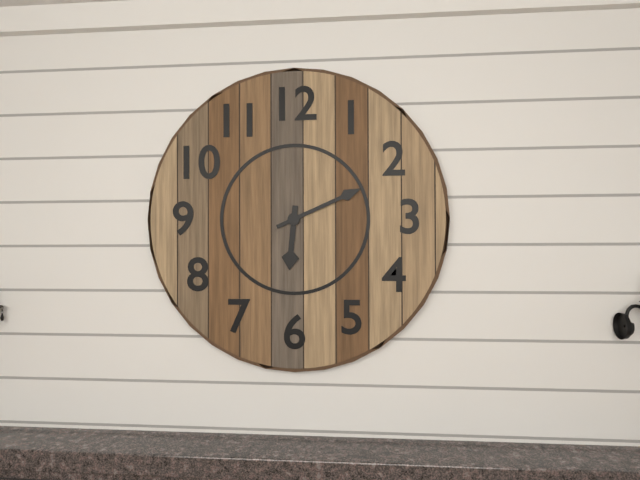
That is 6,11
